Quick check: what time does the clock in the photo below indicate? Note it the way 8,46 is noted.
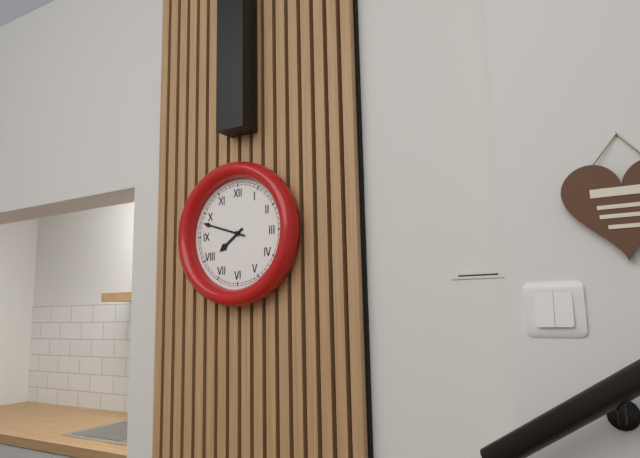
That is 7,48
